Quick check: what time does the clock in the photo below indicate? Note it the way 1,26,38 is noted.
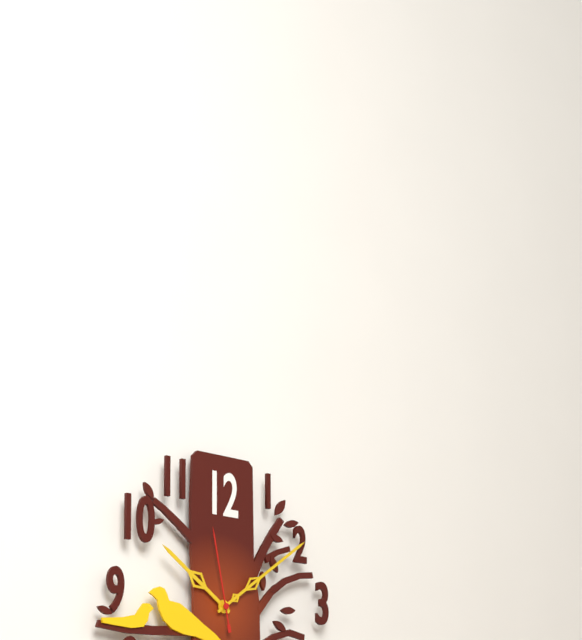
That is 10,09,58
